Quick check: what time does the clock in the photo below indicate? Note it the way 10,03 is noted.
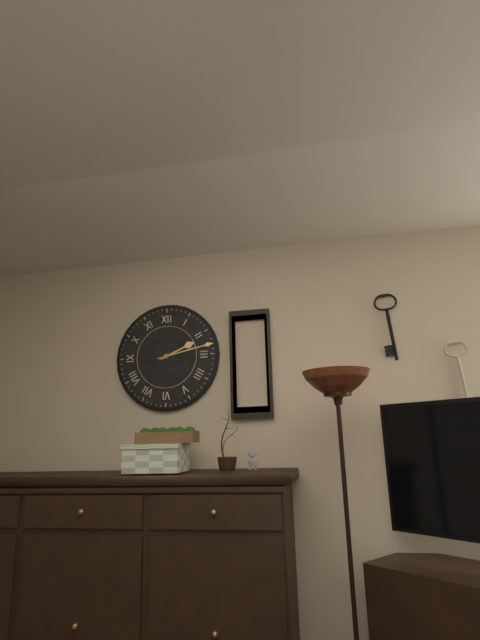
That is 2,13
